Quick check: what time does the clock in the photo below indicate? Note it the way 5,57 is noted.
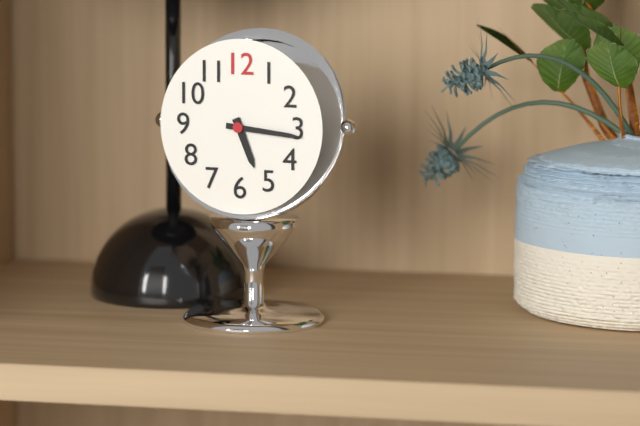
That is 5,16
